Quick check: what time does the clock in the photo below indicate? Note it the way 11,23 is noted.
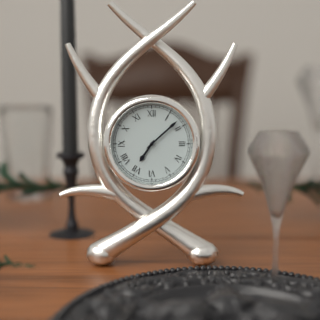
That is 7,08
